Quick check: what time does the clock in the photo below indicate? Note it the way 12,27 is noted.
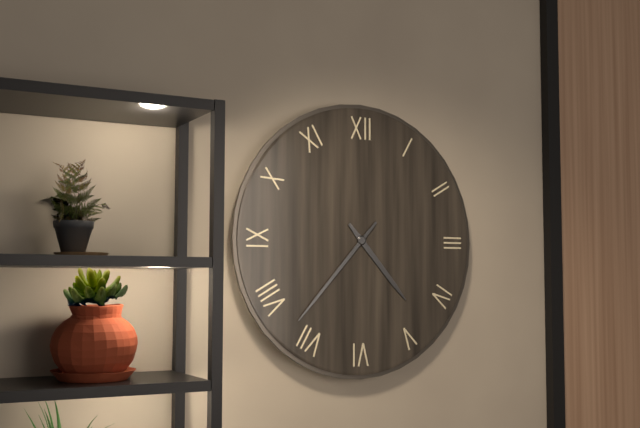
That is 4,37
